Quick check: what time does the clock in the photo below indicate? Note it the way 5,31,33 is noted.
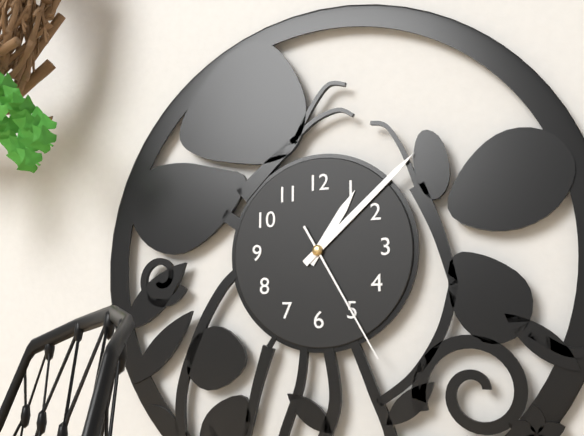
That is 1,08,25
